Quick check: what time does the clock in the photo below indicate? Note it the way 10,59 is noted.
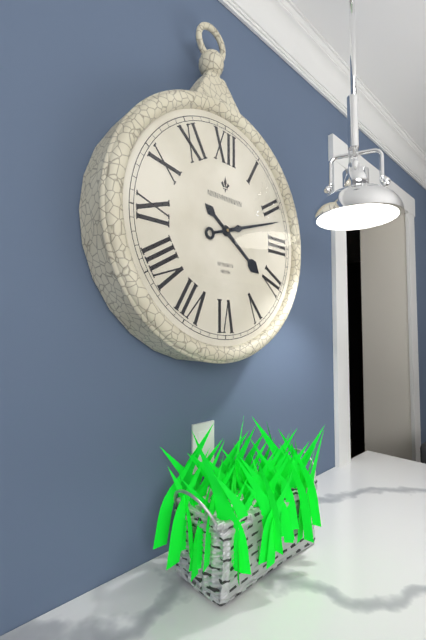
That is 4,12
